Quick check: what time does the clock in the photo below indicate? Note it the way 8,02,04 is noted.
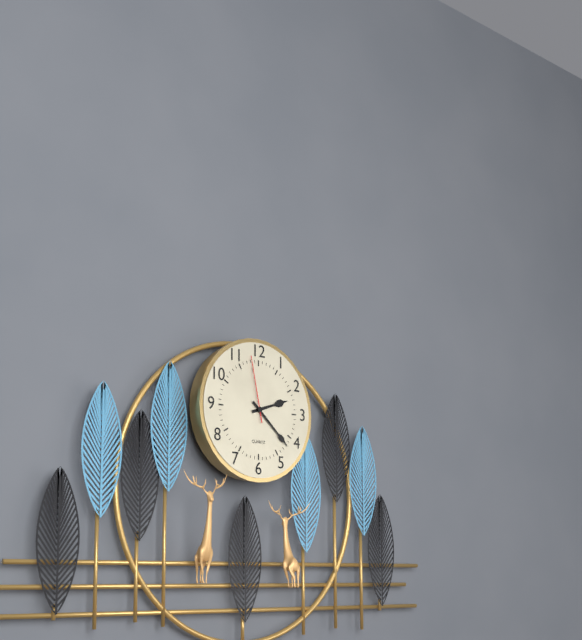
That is 2,22,58
